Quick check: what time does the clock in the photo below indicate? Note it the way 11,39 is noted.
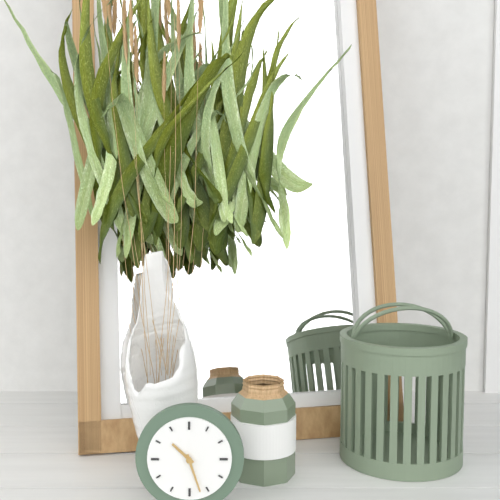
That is 10,27
